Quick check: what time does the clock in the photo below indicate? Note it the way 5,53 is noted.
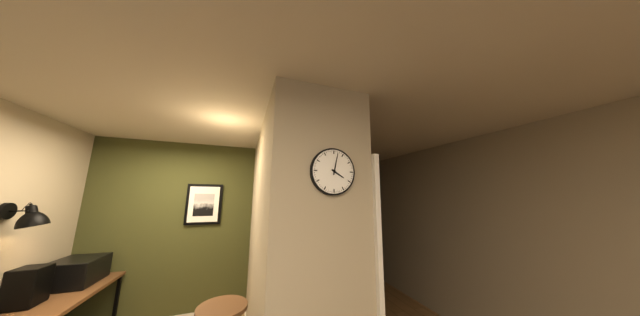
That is 4,02
